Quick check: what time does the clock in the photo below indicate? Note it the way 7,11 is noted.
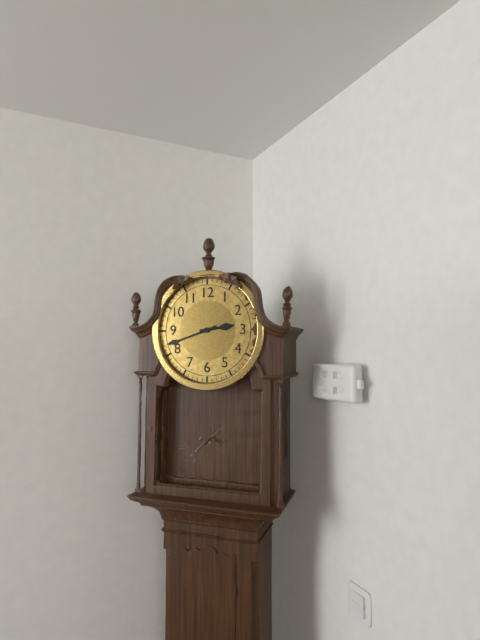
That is 2,42
